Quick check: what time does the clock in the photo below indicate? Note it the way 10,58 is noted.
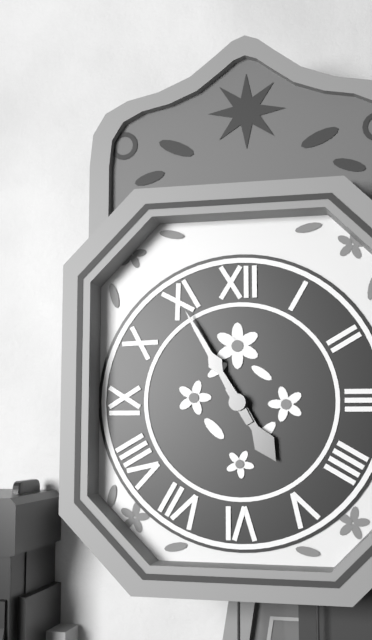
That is 4,55
